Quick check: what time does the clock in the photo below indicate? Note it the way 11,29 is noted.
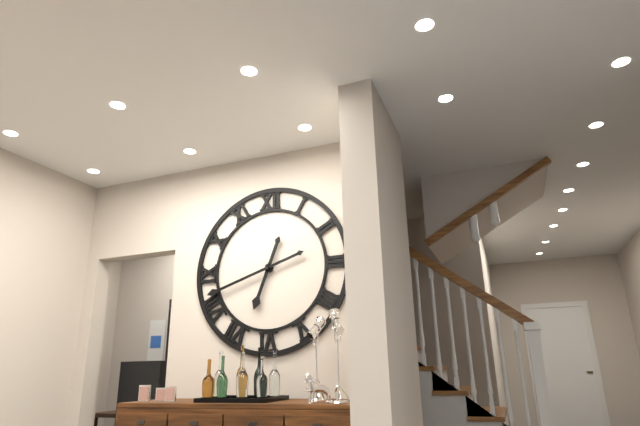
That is 6,42
